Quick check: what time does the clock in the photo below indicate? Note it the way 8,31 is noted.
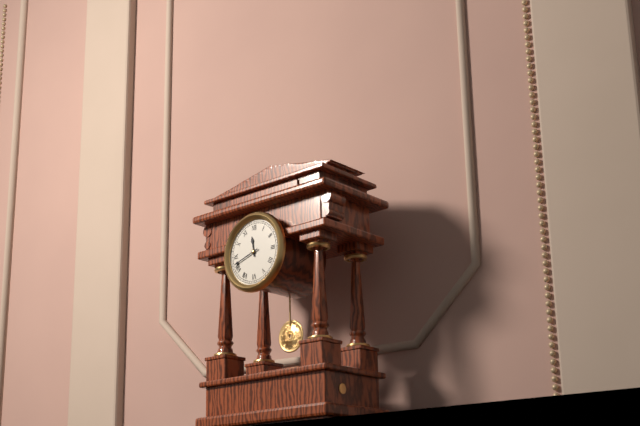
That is 11,42
